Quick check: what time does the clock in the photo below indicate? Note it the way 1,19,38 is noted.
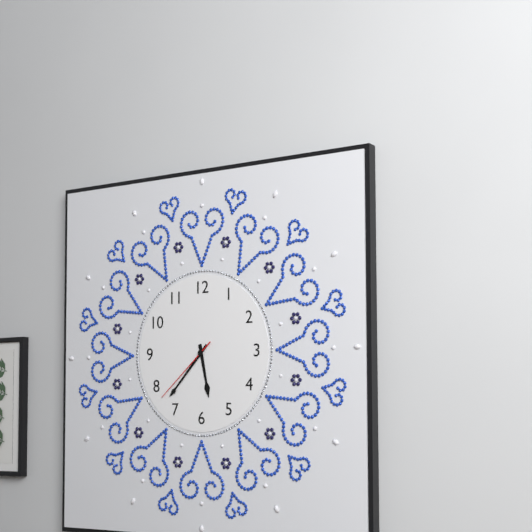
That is 5,37,38
